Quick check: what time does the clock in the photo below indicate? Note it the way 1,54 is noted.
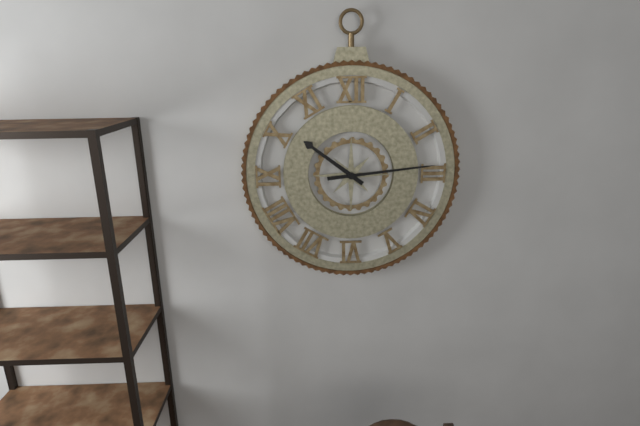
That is 10,14
